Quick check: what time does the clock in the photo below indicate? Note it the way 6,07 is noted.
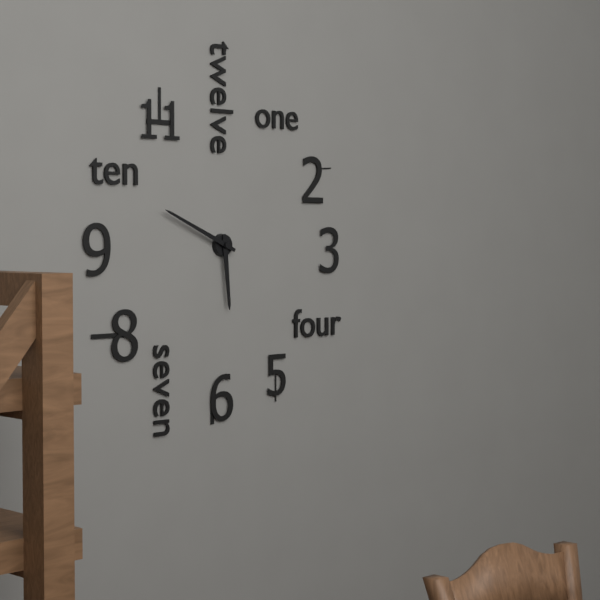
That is 5,49
